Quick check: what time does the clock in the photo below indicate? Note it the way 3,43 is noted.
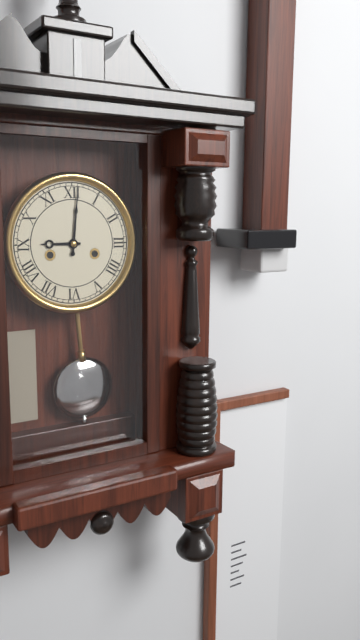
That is 9,01
